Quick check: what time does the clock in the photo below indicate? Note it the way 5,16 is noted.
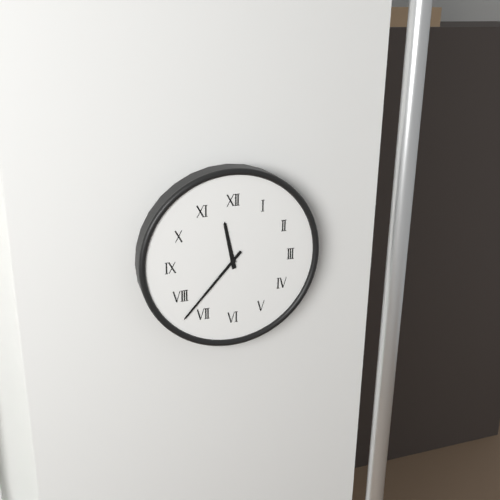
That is 11,37
